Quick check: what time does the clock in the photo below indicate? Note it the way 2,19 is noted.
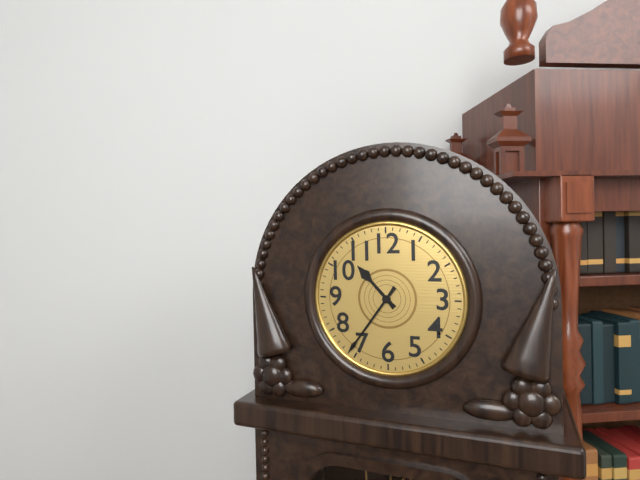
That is 10,36
